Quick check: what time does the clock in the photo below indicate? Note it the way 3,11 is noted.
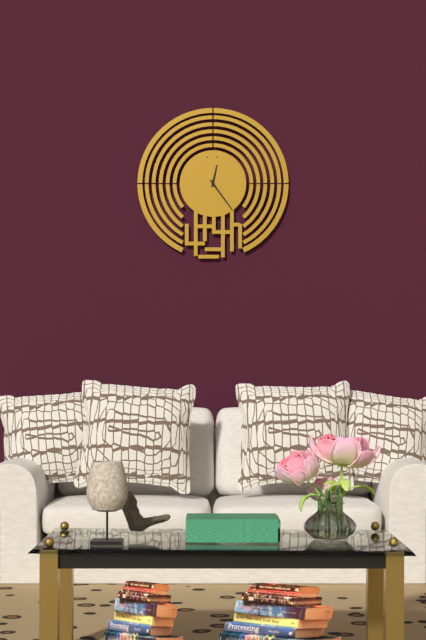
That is 12,24
